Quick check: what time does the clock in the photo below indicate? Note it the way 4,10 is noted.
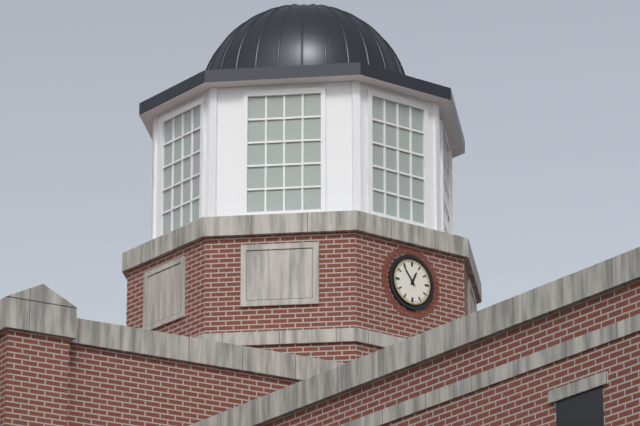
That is 12,54
